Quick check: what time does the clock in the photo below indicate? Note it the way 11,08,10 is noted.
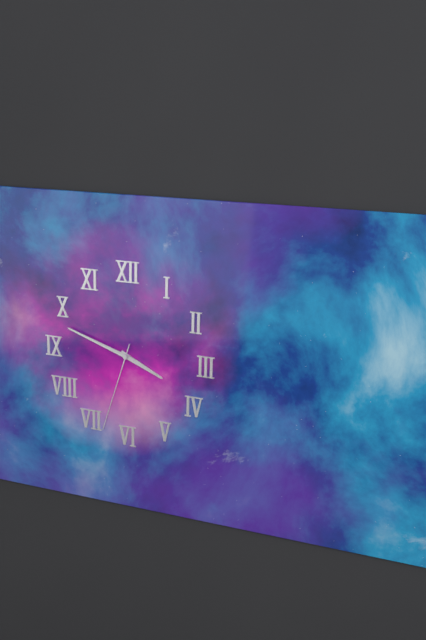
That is 3,48,33
